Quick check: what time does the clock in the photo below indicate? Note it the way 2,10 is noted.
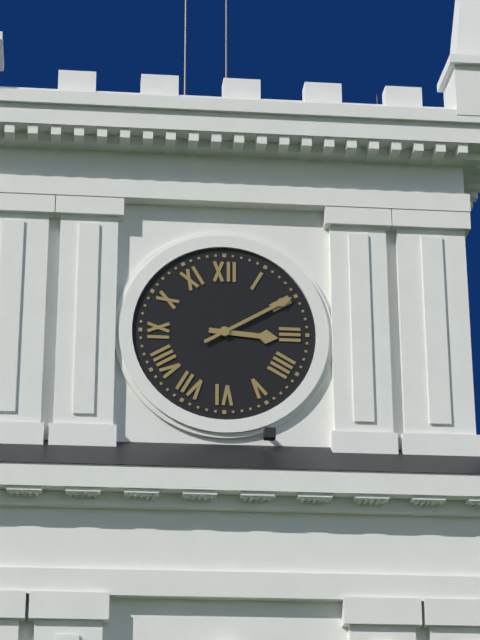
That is 3,10
